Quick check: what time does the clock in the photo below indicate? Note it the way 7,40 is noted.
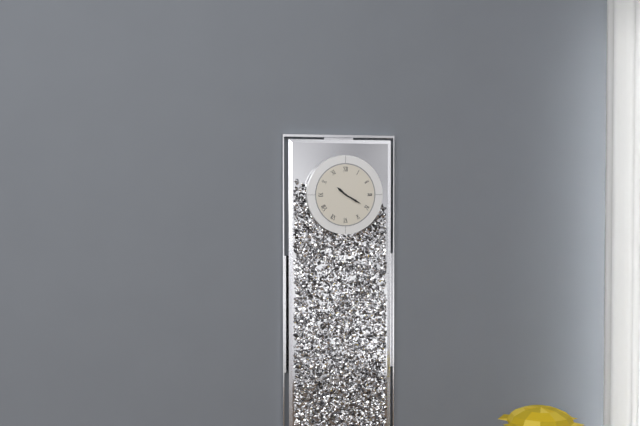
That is 10,20
